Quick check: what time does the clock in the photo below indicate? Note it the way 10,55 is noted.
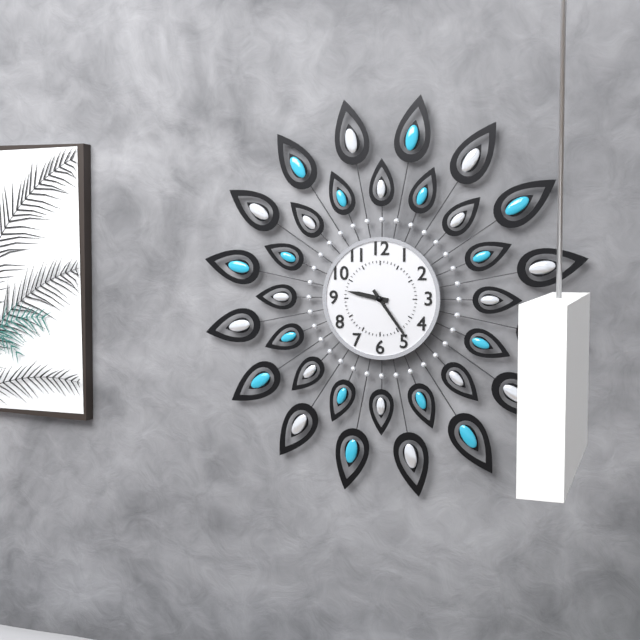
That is 9,24
